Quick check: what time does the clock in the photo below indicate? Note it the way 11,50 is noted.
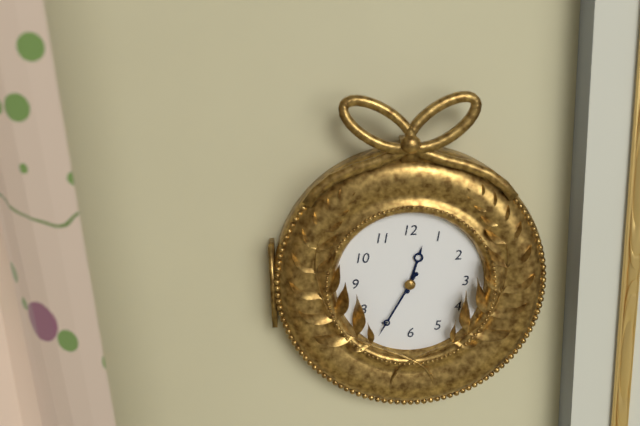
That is 12,35
